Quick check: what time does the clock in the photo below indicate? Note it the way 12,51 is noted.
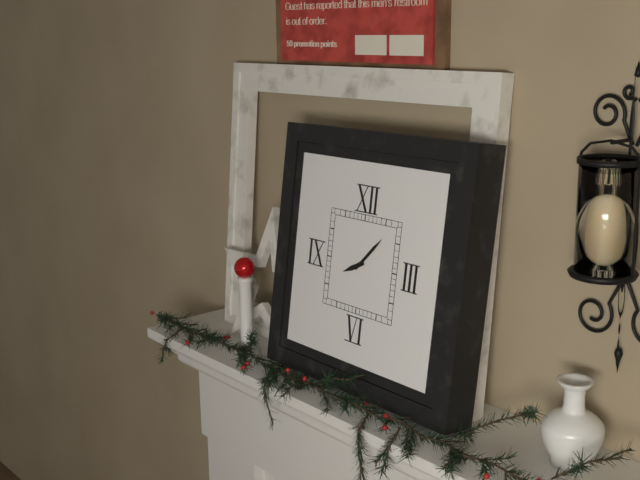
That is 8,07
